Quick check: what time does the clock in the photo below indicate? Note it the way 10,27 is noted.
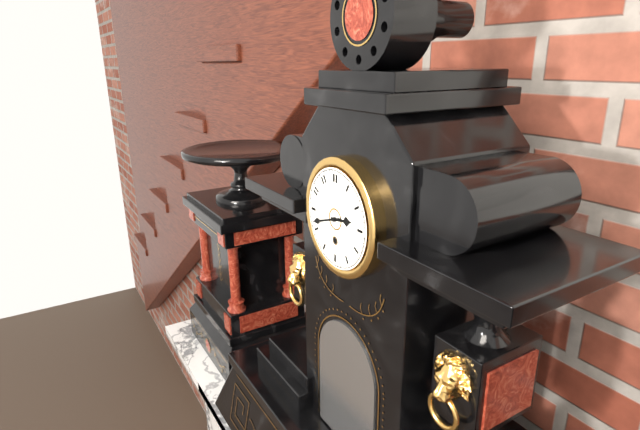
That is 2,42
